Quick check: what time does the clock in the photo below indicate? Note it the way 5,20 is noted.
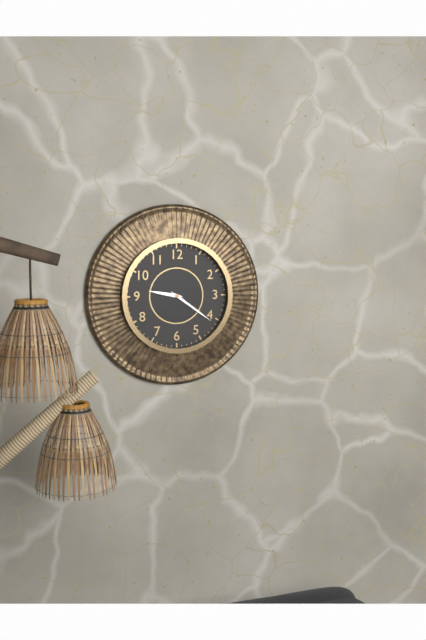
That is 9,21
